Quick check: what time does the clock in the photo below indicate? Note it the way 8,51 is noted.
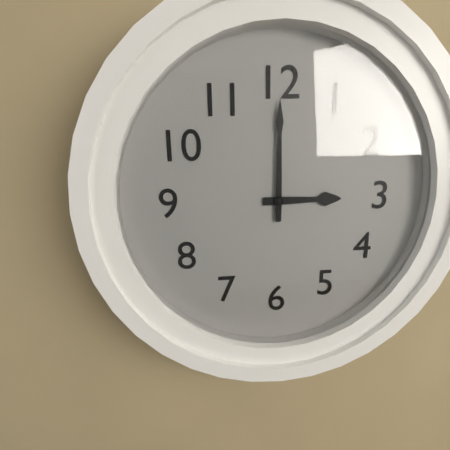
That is 3,00
